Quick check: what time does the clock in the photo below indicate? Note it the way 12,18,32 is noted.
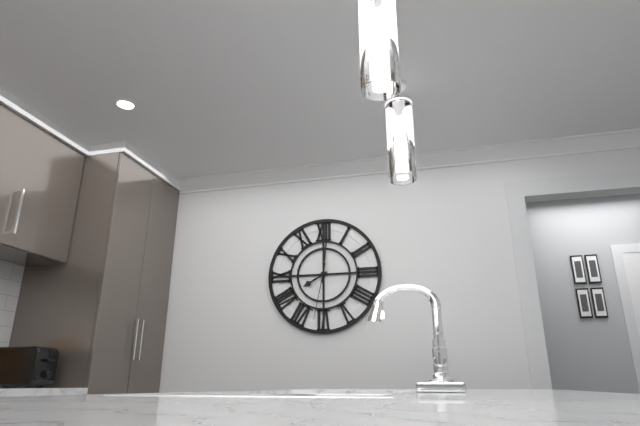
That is 8,01,32
